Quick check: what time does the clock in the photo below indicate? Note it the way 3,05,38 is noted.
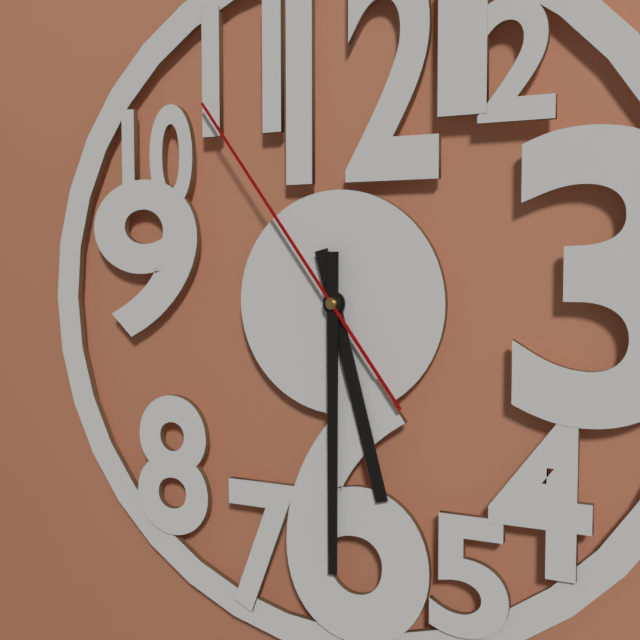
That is 5,30,54
